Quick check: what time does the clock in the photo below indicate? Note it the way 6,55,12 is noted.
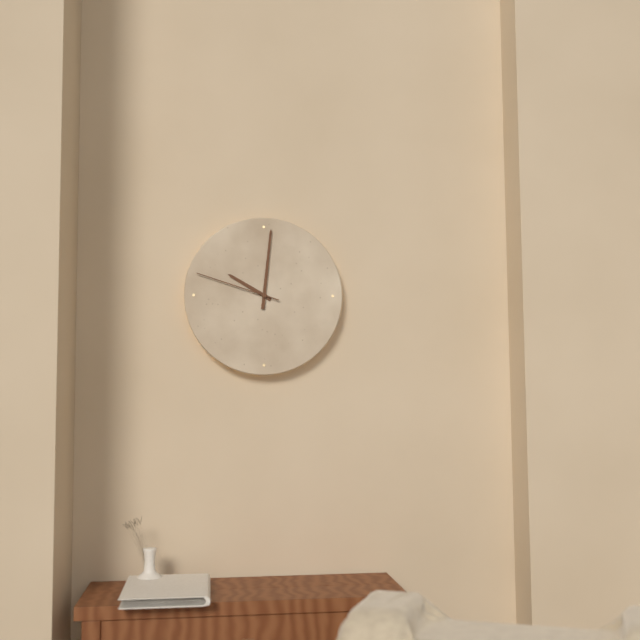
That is 10,01,48
